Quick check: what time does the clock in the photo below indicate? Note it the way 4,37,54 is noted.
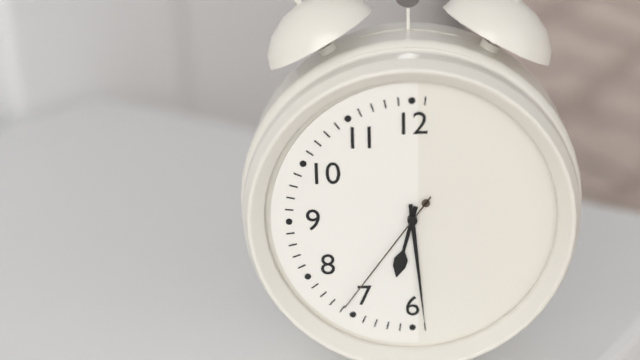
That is 6,29,36
